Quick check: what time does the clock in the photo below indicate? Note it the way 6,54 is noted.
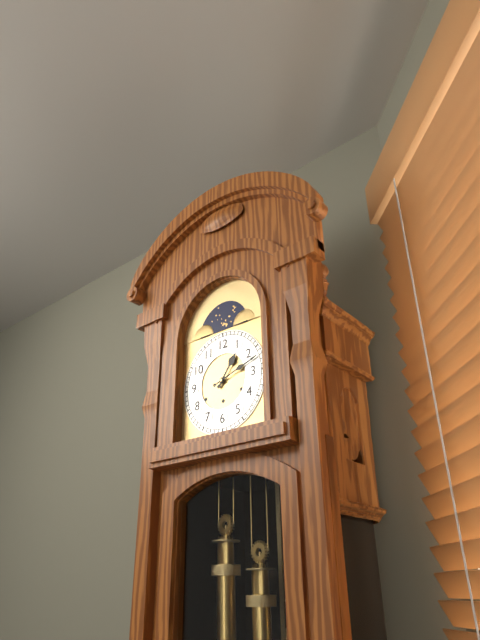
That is 1,12
